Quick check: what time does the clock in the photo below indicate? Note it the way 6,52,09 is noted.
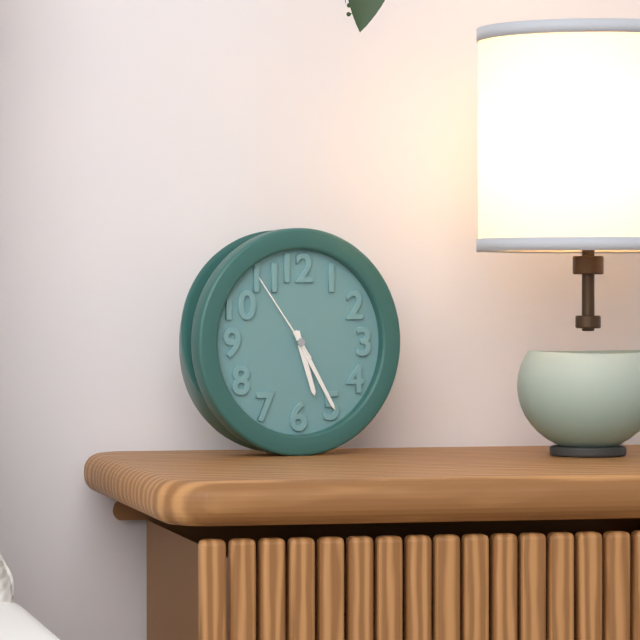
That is 5,25,54
